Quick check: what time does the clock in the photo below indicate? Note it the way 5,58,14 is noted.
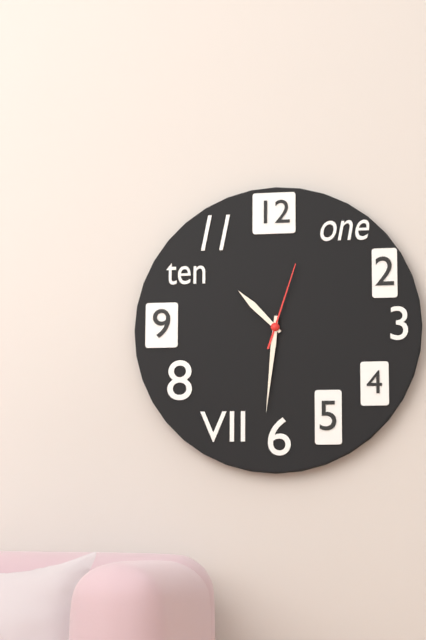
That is 10,31,03
